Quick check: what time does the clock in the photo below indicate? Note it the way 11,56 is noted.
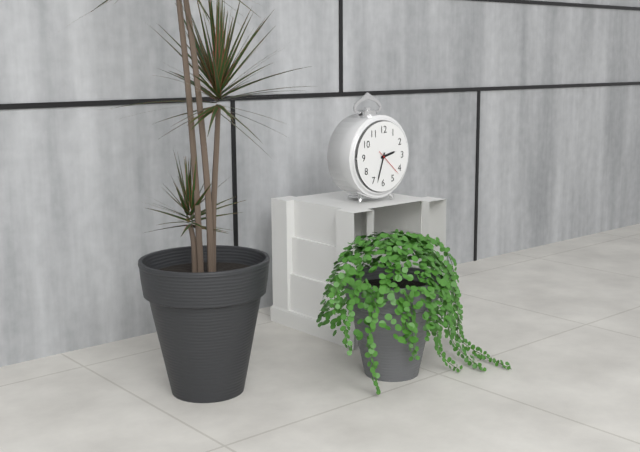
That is 2,33
